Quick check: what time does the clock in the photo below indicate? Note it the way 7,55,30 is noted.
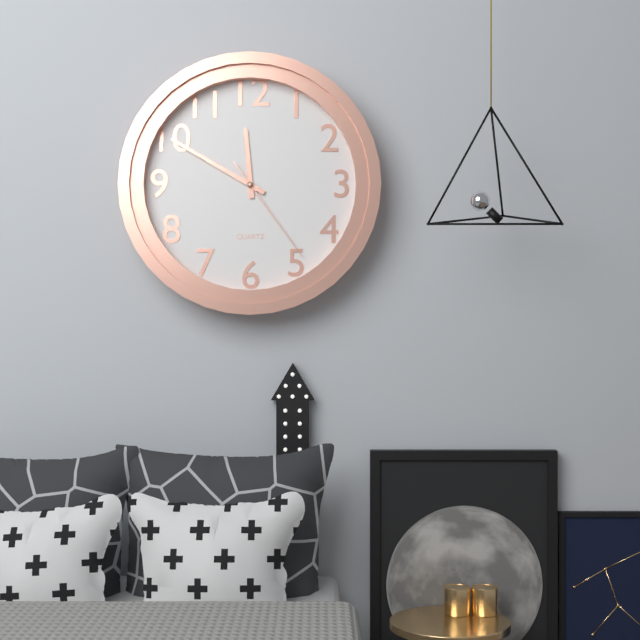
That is 11,50,24
